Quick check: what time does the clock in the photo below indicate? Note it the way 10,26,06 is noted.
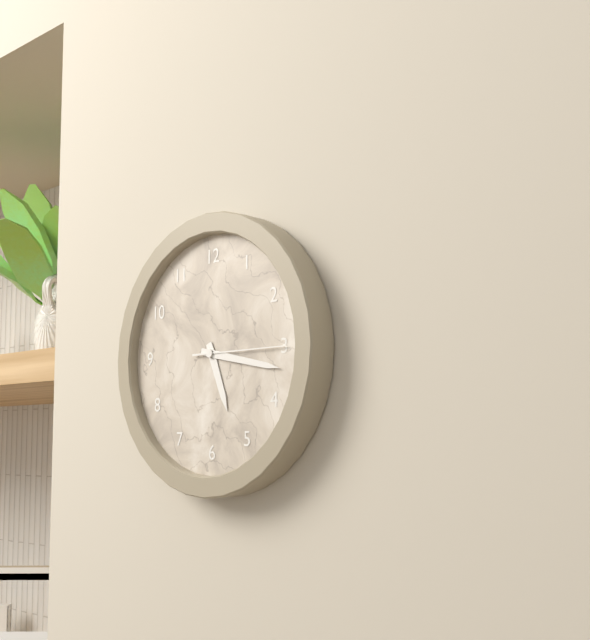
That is 5,17,15
